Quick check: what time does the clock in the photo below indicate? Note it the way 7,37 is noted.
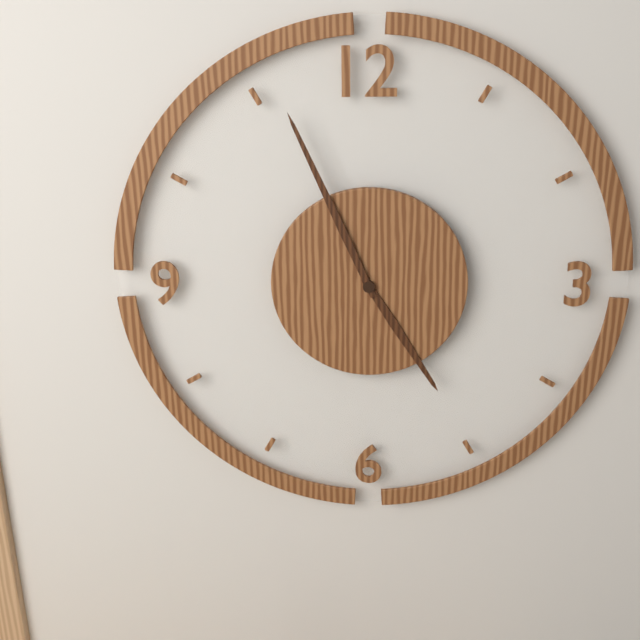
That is 4,56
